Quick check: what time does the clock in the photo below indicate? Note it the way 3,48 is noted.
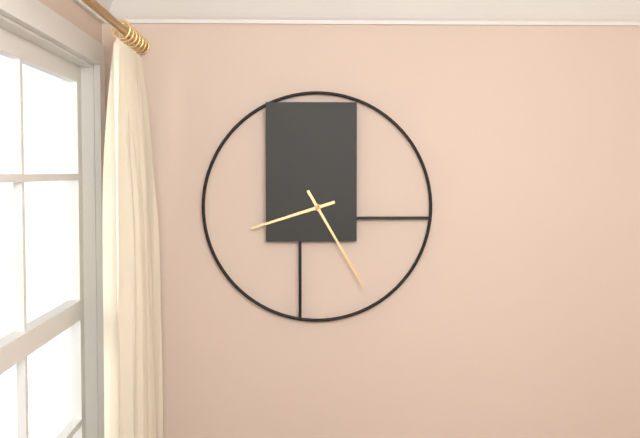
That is 8,25
